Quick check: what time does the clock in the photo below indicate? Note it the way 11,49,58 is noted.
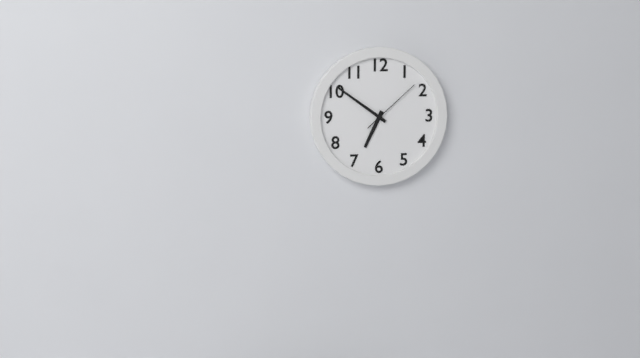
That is 6,51,08
